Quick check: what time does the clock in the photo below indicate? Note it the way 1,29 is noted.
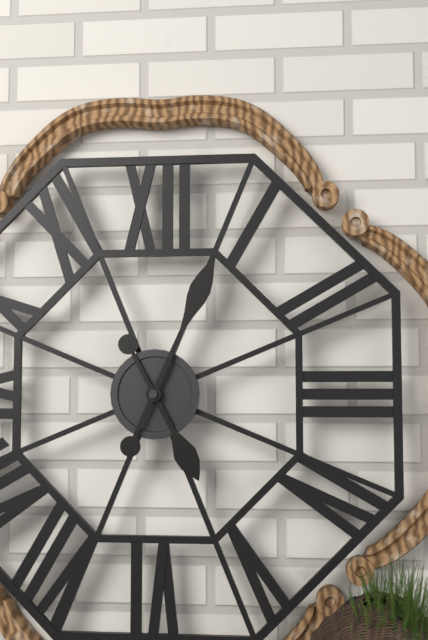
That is 5,04
